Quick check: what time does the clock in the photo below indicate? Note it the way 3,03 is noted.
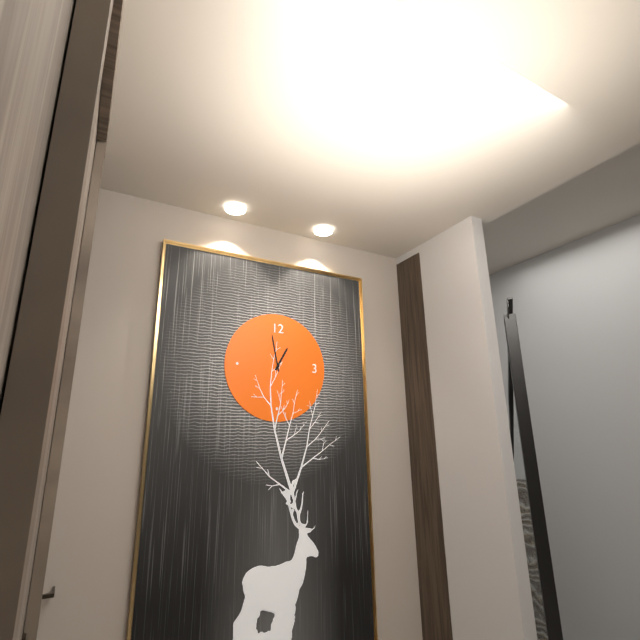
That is 12,58
